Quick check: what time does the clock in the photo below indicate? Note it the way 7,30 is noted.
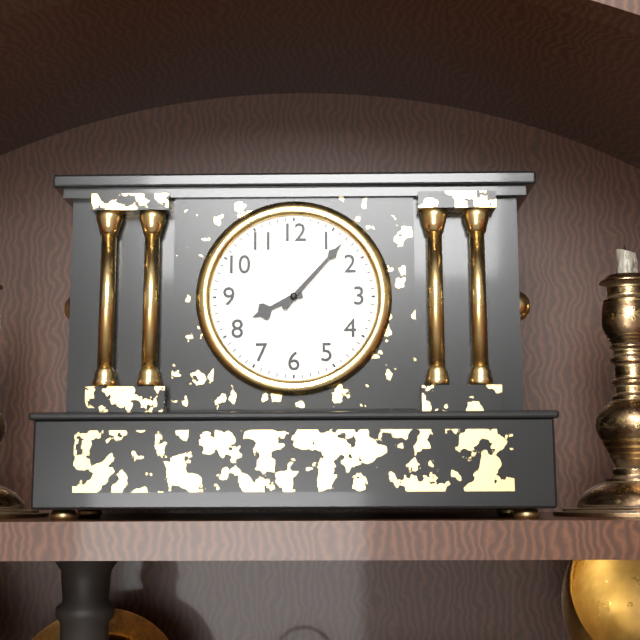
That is 8,07
